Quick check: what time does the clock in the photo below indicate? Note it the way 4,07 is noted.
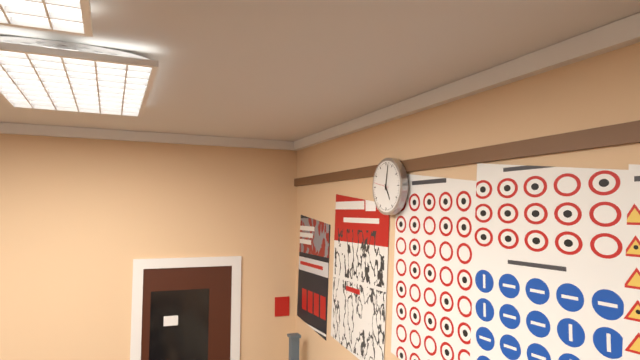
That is 5,02
